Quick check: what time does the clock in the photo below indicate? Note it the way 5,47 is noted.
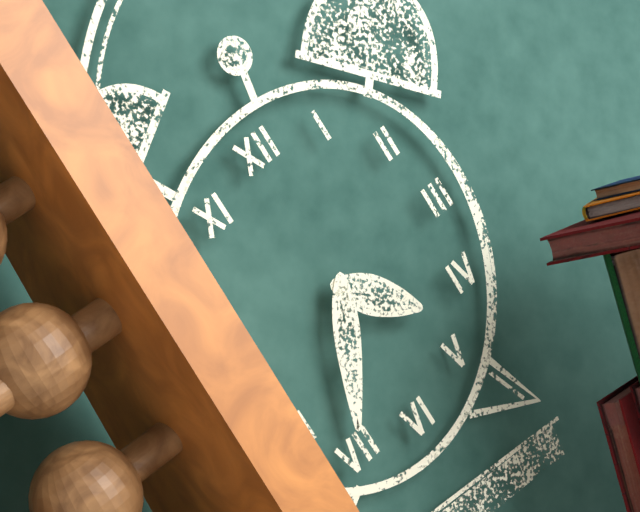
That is 4,35
